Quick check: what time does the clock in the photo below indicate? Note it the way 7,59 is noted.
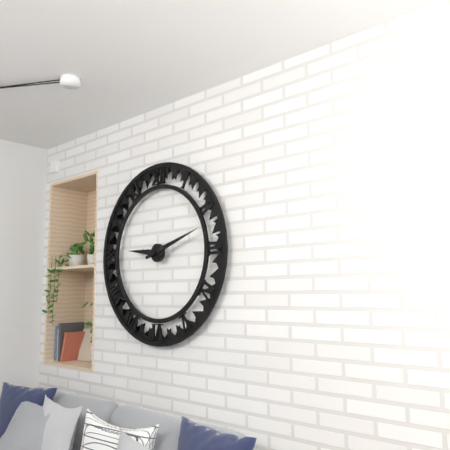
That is 9,12
